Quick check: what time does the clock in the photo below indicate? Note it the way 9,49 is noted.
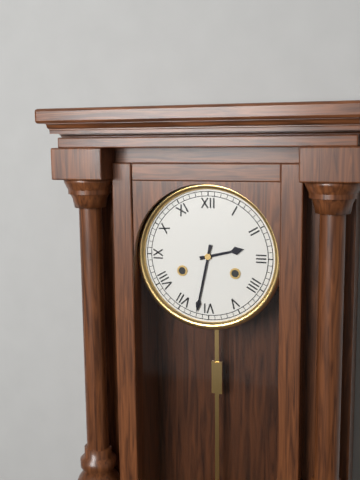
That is 2,32
